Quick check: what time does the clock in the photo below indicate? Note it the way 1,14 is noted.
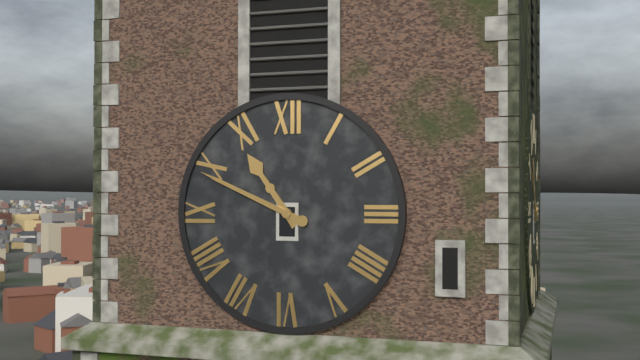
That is 10,49
